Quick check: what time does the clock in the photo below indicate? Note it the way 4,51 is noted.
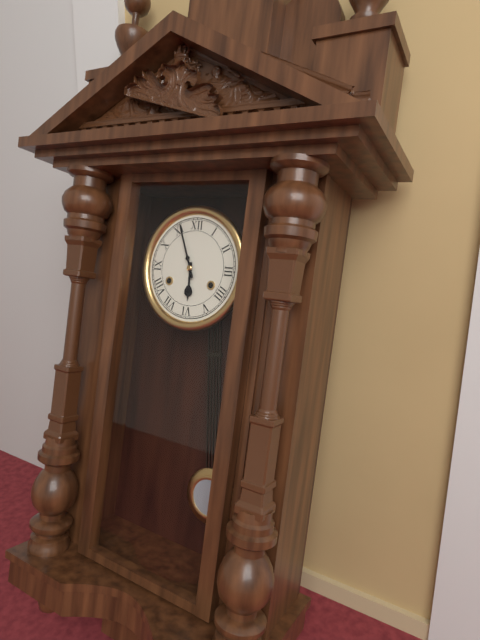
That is 5,56
